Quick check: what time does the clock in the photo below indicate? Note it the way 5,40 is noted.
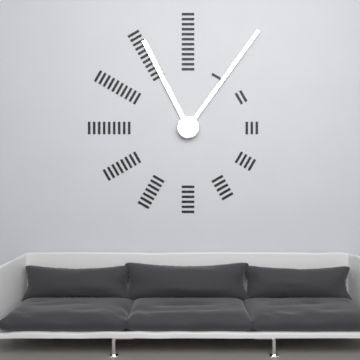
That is 11,06
